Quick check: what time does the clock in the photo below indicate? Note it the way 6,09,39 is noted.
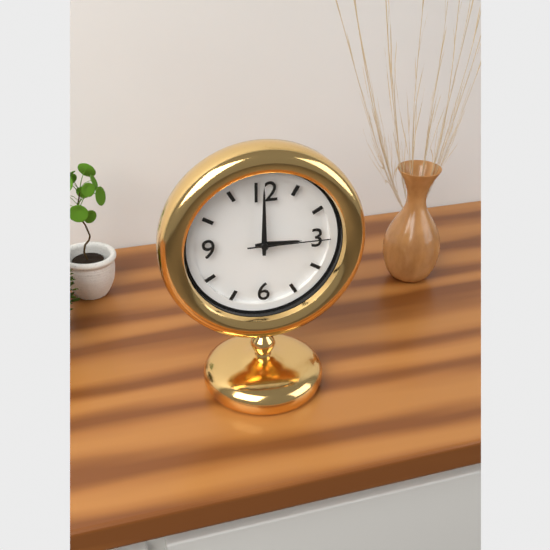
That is 3,00,15
